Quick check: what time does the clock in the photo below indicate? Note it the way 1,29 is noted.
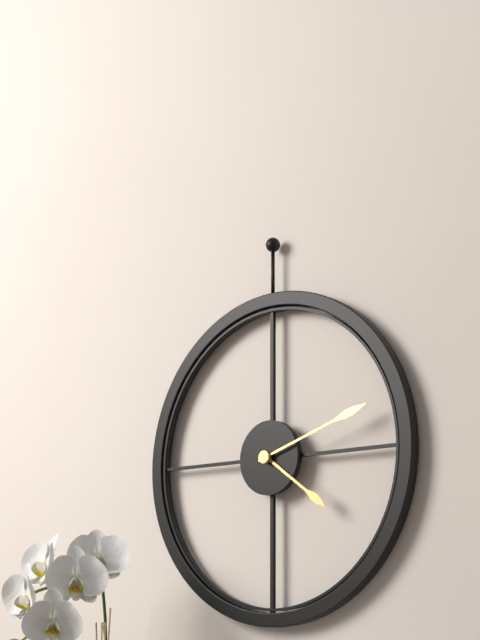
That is 4,12
